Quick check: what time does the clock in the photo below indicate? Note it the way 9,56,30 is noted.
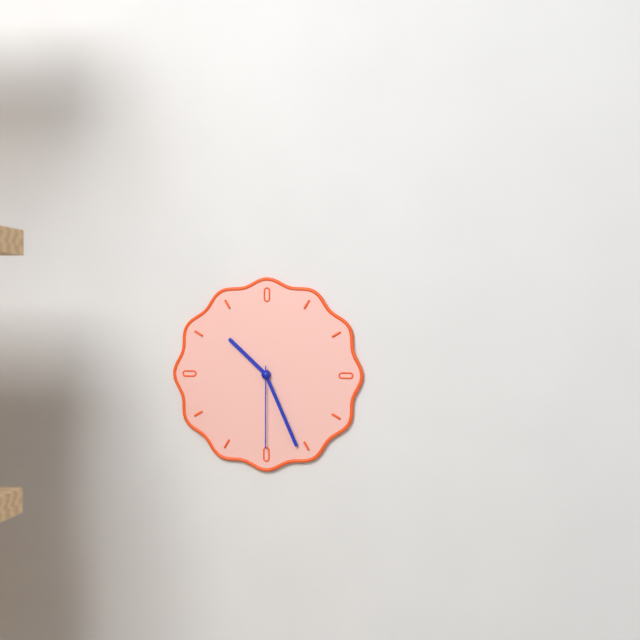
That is 10,26,30
